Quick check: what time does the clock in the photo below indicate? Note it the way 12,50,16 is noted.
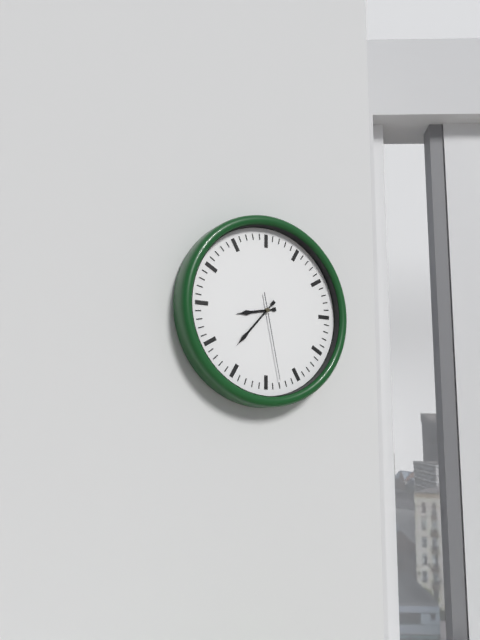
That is 8,37,28
